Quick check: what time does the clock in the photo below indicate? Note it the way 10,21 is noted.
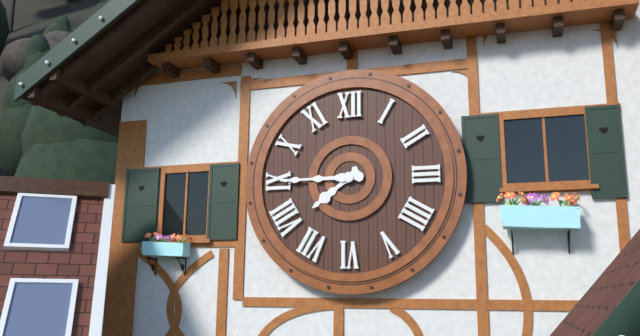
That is 7,45
